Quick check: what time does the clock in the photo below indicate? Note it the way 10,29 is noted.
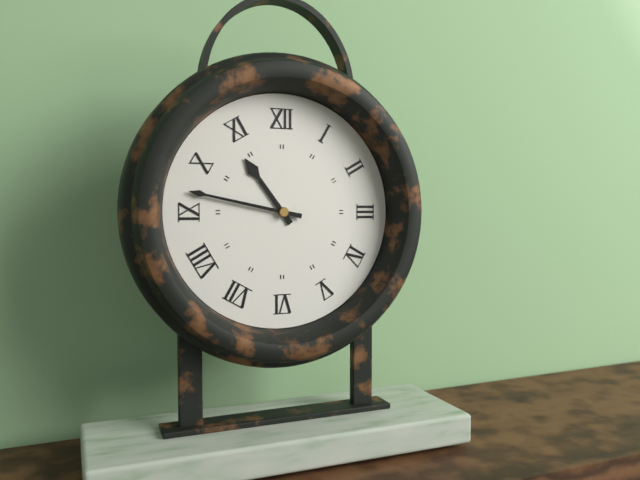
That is 10,47
